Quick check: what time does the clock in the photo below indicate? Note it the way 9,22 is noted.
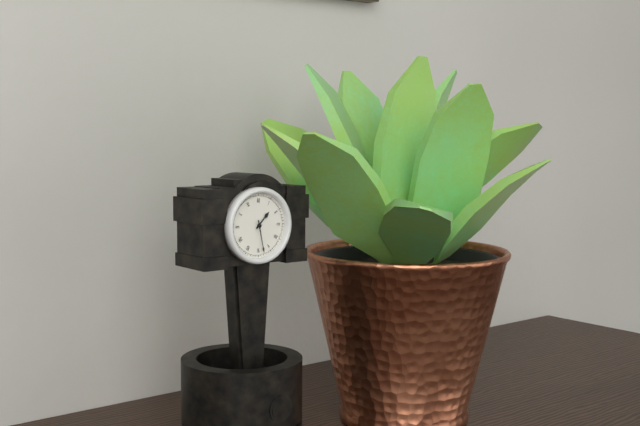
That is 1,28
